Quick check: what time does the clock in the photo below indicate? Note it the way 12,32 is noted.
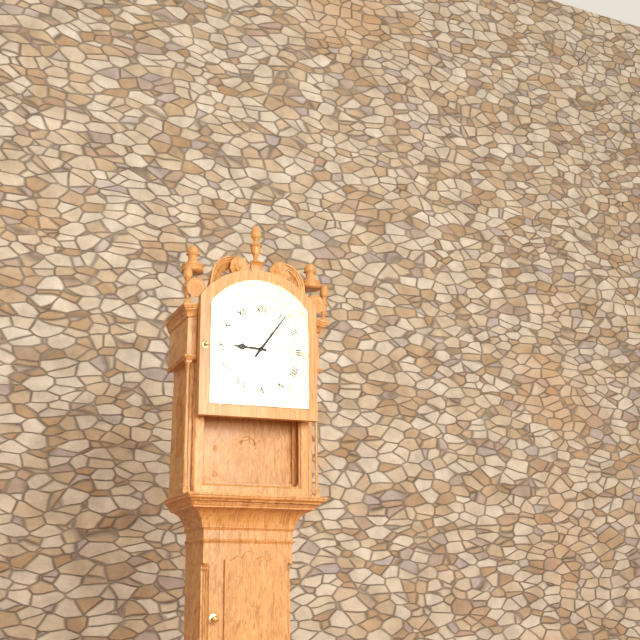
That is 9,06
